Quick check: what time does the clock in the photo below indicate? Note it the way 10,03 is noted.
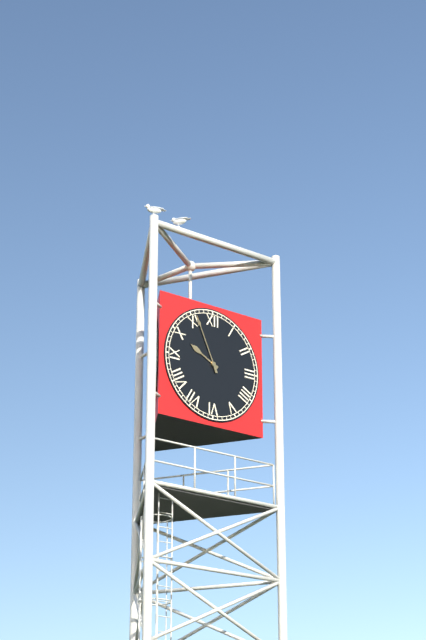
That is 9,56
